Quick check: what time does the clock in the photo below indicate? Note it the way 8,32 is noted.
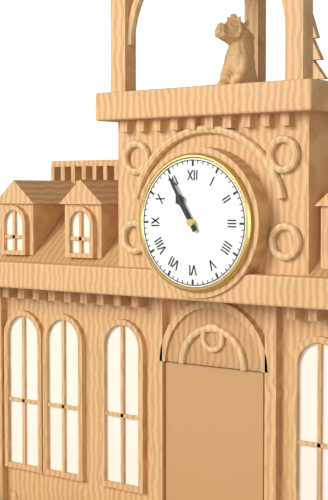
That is 10,55
